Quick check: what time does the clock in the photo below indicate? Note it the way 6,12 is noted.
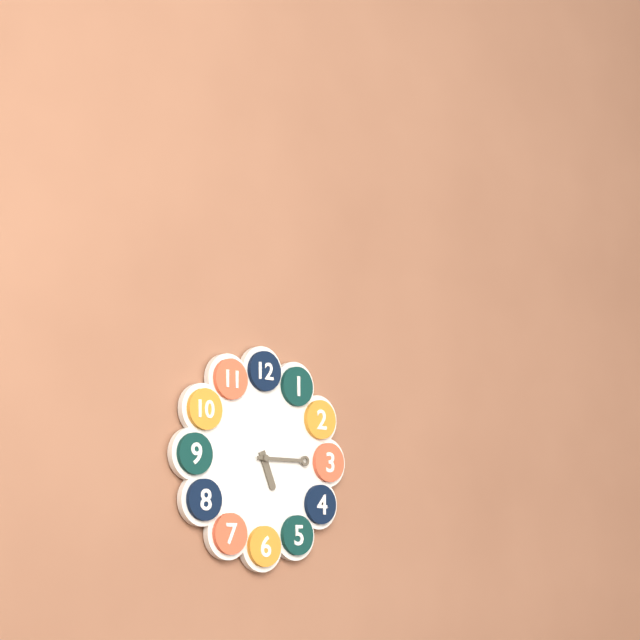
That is 5,15
